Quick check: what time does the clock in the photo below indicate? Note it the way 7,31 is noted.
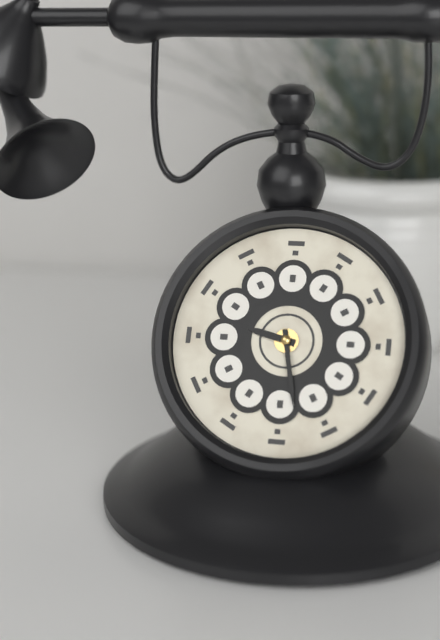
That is 9,28
